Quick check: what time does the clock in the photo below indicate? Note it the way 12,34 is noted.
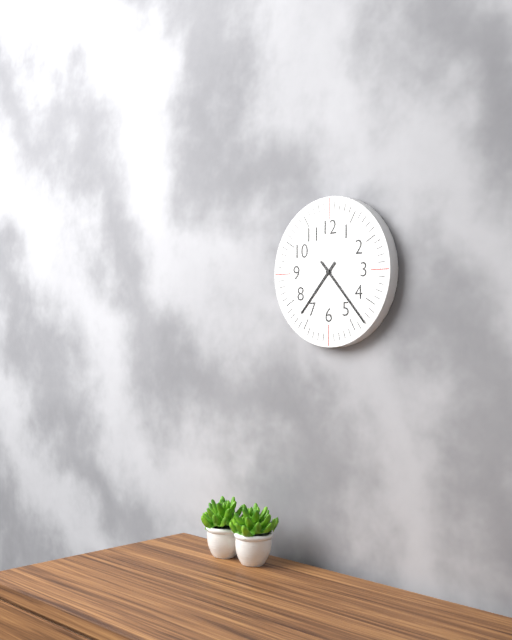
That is 7,23
